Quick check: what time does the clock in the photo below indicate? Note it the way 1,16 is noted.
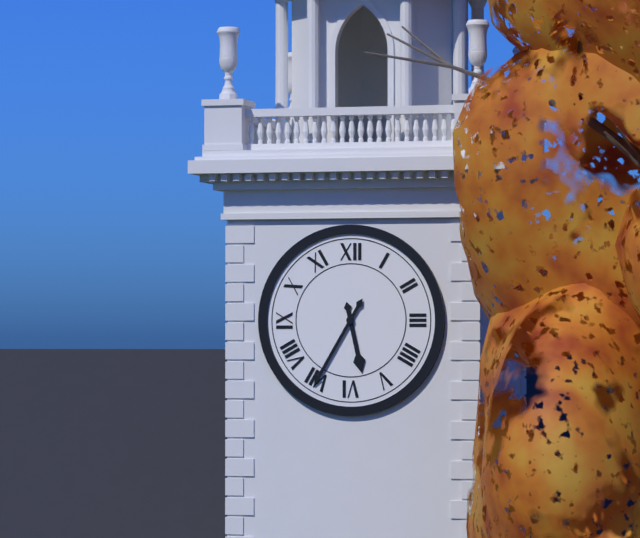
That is 5,35
